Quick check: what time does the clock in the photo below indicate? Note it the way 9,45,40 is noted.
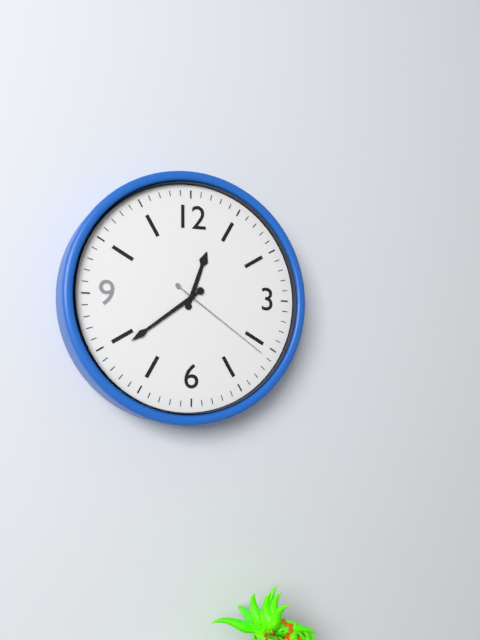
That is 12,39,21
